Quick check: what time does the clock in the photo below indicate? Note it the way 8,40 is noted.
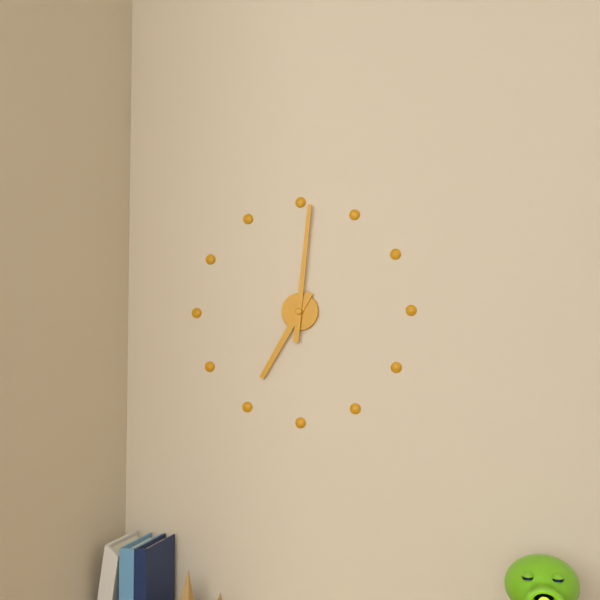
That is 7,01
